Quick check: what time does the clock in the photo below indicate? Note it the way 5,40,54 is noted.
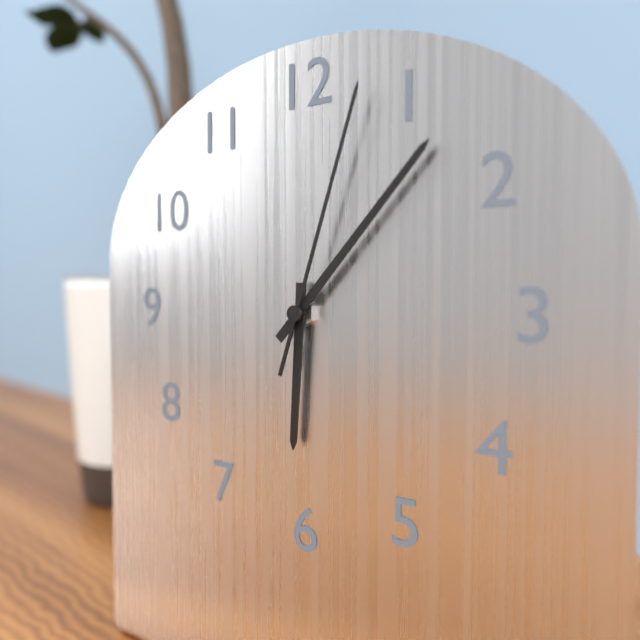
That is 6,07,03
